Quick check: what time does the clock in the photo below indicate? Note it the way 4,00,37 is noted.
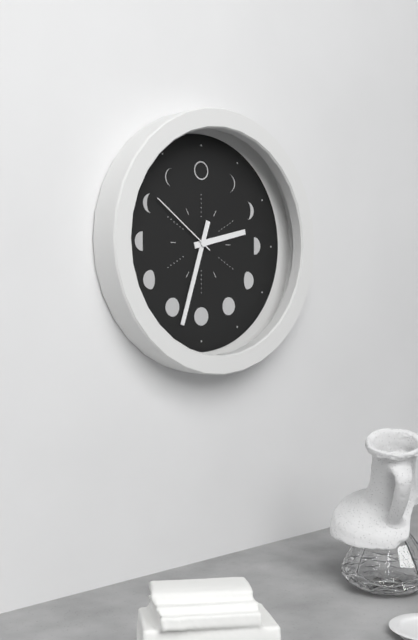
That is 2,33,51
